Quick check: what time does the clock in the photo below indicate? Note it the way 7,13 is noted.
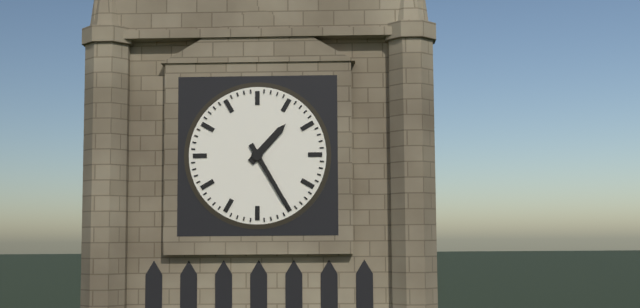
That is 1,25
